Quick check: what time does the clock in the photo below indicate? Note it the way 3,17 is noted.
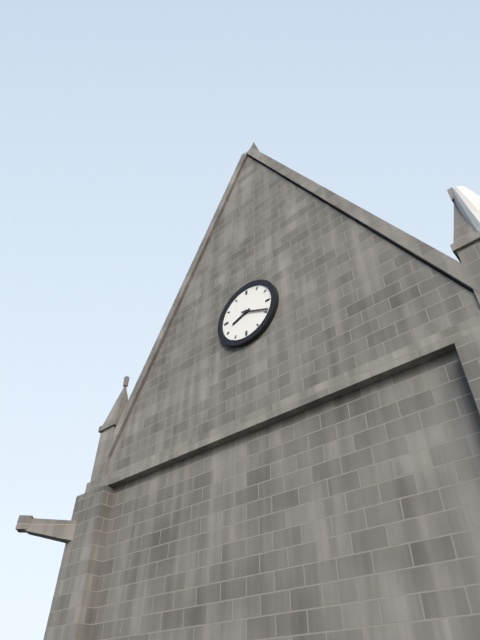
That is 8,19
